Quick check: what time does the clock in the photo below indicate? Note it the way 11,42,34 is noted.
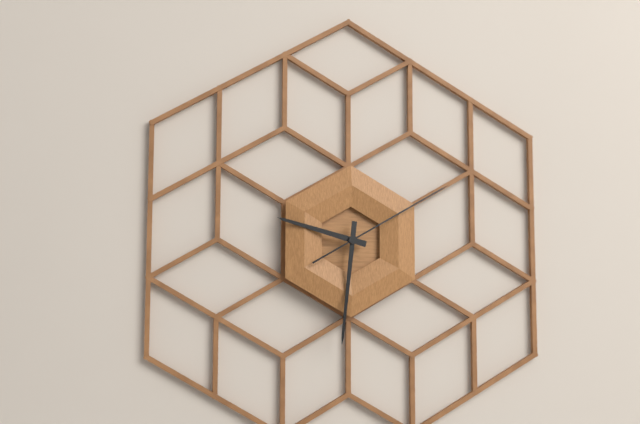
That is 9,31,10
